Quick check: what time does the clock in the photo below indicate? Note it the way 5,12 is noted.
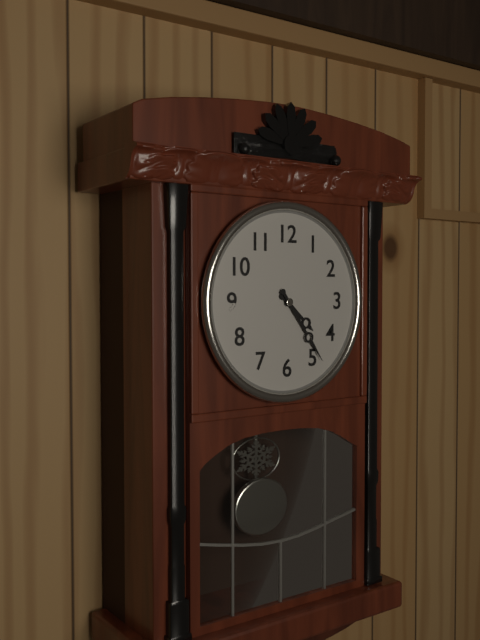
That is 4,24
